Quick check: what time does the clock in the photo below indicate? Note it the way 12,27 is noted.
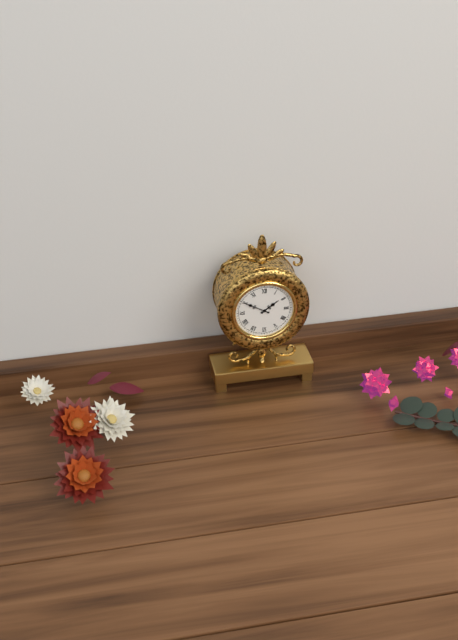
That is 1,50
